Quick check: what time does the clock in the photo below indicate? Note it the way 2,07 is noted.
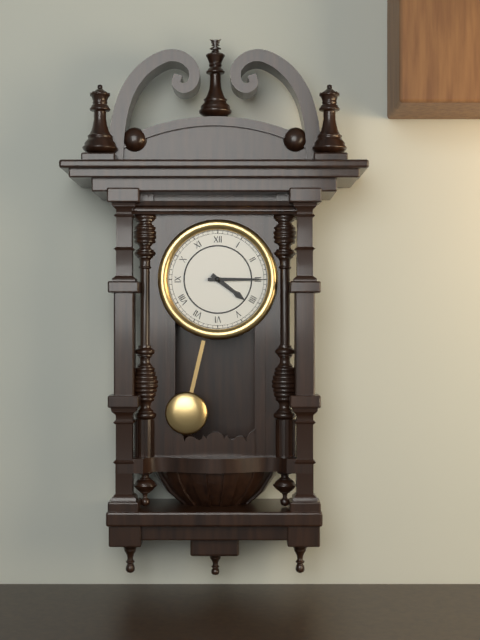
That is 4,15
